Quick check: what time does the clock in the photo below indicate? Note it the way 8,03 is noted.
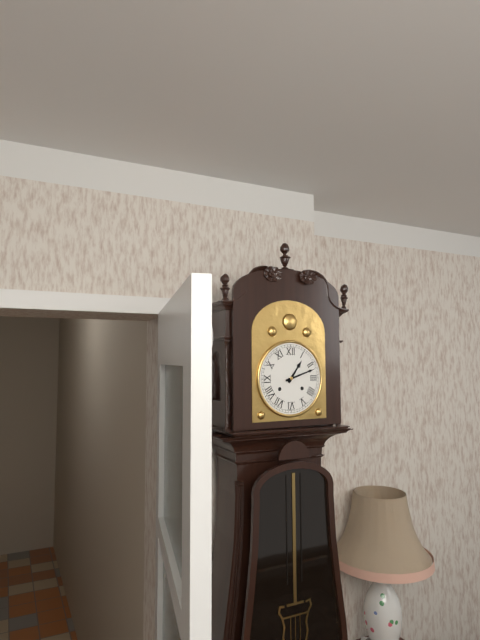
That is 1,12
